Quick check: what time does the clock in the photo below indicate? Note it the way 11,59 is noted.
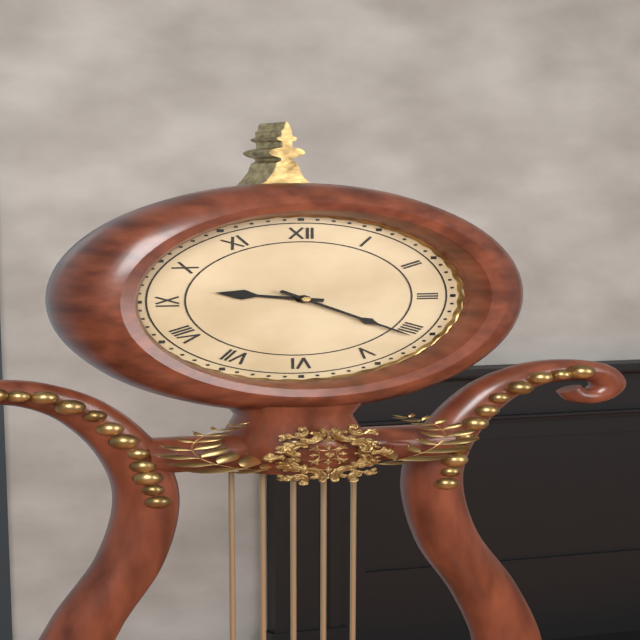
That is 9,21
